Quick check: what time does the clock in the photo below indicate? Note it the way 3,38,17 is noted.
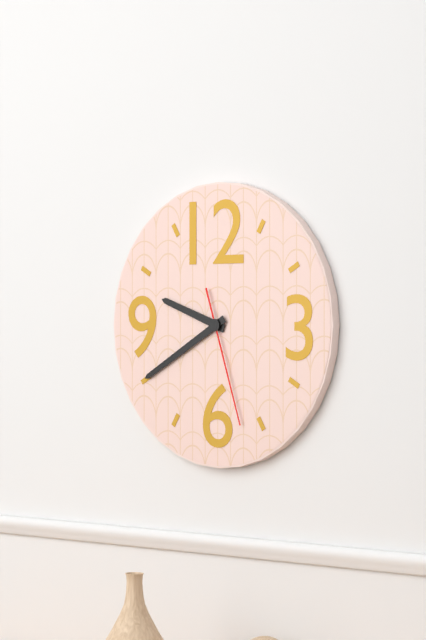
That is 9,40,27
